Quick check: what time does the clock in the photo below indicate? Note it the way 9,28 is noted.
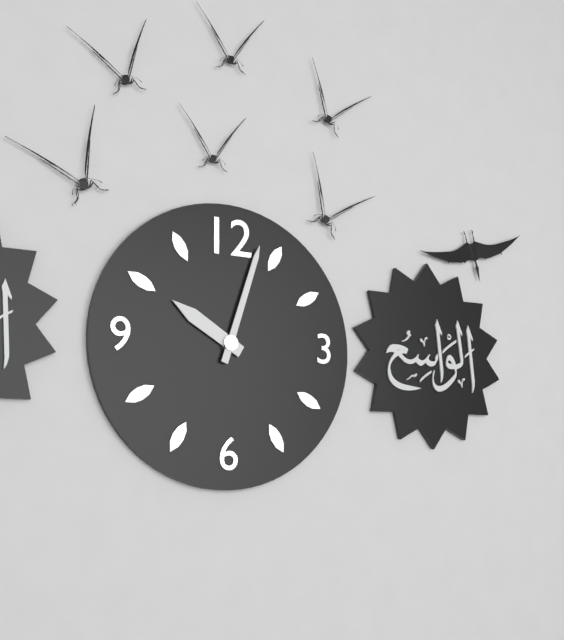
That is 10,03
